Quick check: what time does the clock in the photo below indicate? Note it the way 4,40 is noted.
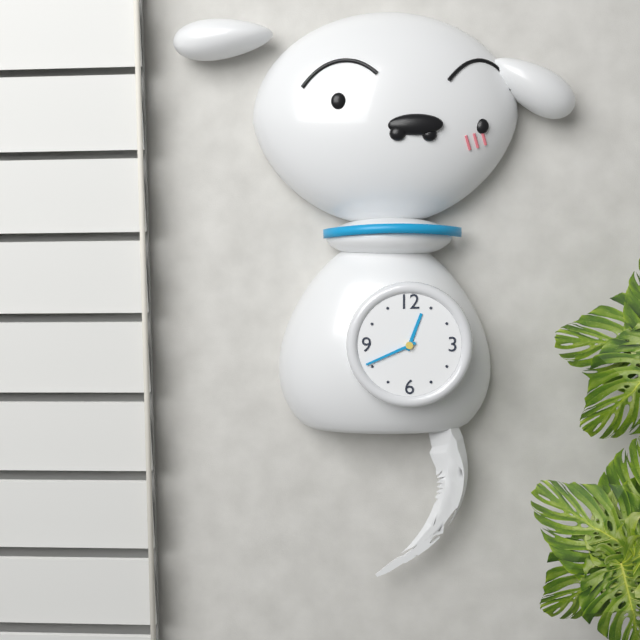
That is 12,41
